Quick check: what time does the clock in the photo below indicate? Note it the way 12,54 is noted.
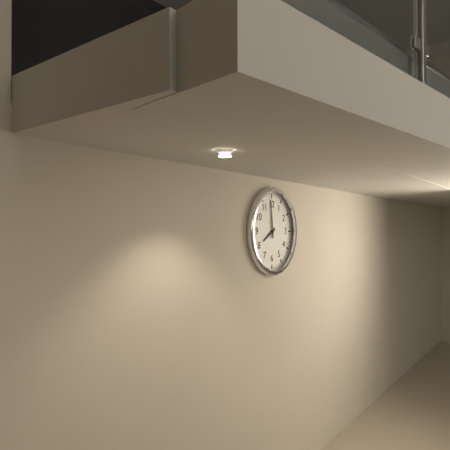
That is 7,59
